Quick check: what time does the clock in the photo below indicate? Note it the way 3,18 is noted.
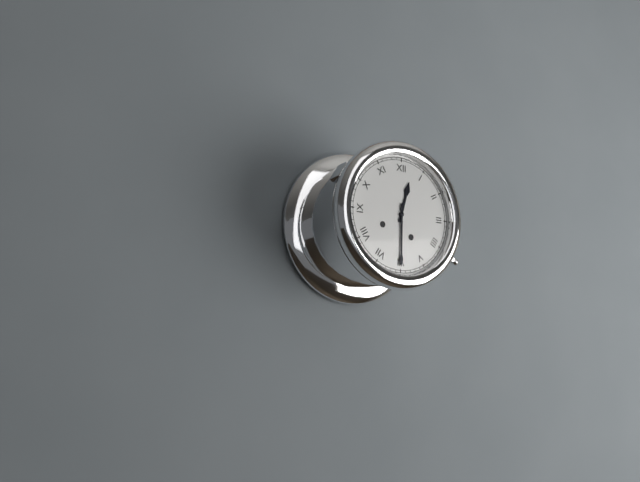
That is 12,30
